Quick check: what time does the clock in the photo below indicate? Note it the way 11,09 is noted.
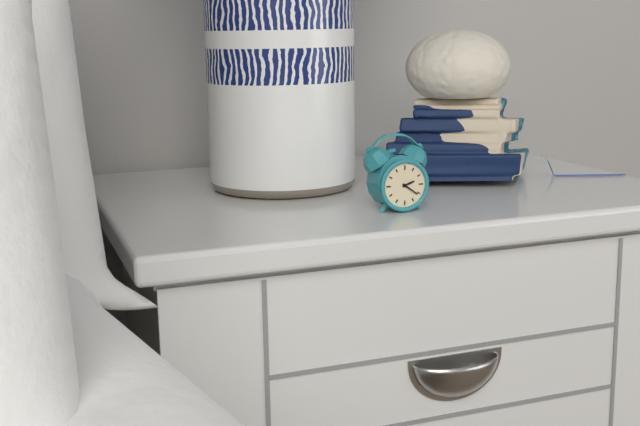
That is 2,21
